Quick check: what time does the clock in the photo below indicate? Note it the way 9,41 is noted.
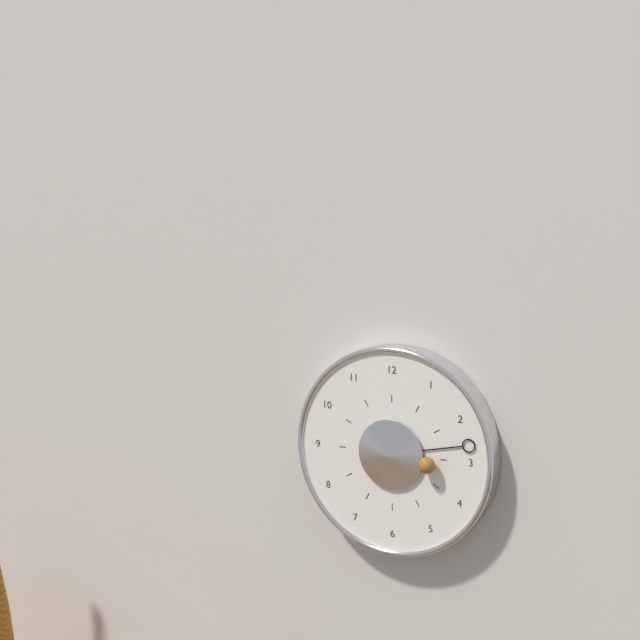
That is 3,13
